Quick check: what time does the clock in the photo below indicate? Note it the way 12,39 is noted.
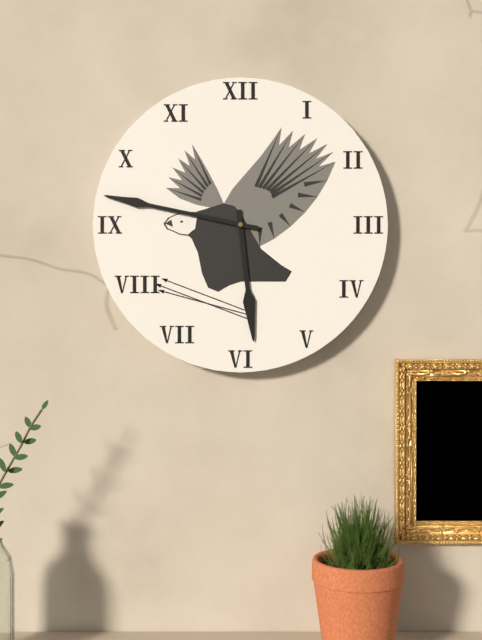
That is 5,47
